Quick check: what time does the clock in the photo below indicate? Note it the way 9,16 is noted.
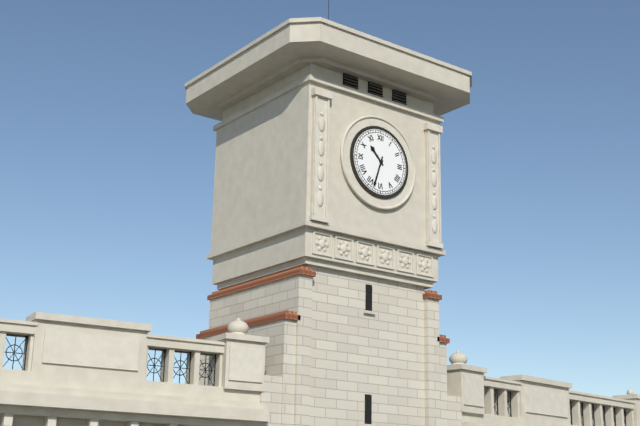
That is 10,33
